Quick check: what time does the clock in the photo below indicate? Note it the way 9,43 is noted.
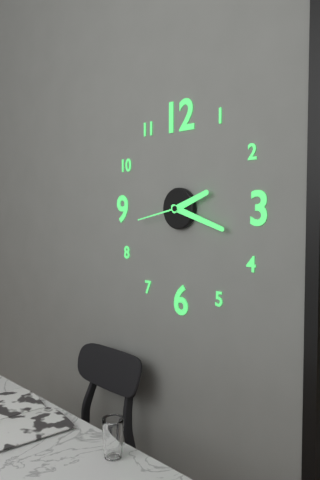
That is 2,18
